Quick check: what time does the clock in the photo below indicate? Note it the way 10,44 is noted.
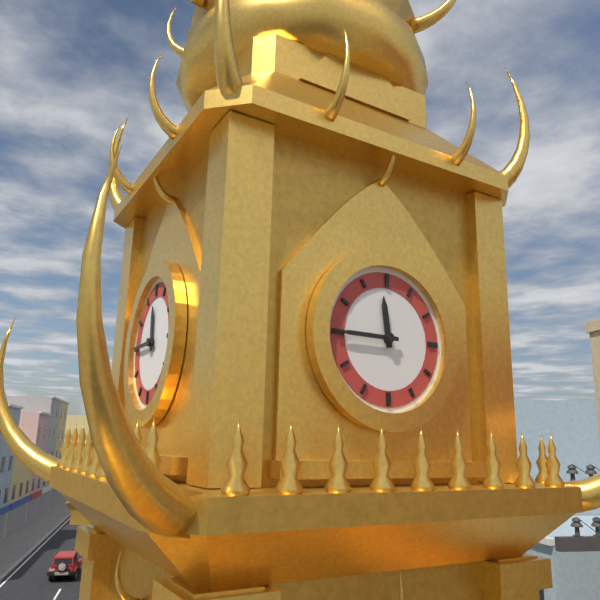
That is 11,45
